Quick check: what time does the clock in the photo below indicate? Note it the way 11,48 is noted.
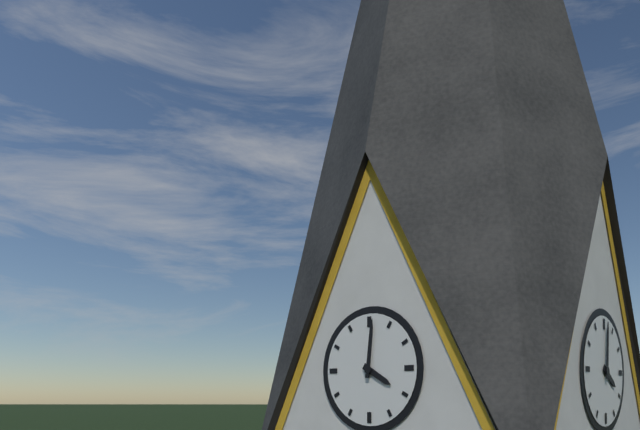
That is 4,01
